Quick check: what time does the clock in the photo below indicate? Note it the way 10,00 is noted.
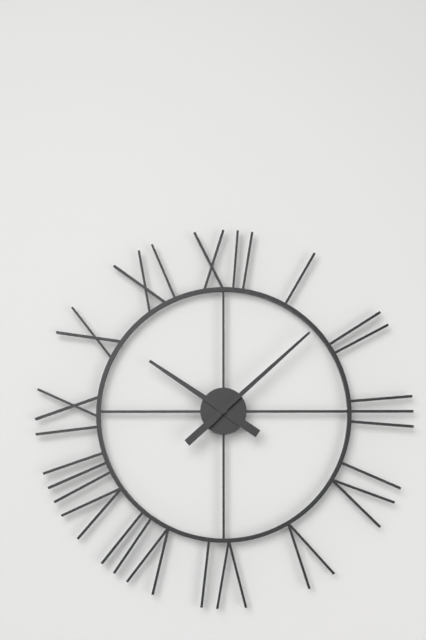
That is 10,08
